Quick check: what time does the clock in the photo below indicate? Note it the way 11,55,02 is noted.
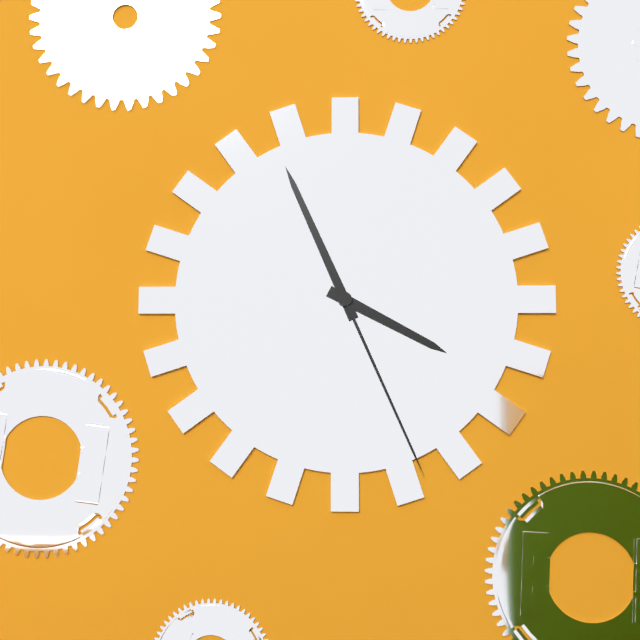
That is 3,56,26
